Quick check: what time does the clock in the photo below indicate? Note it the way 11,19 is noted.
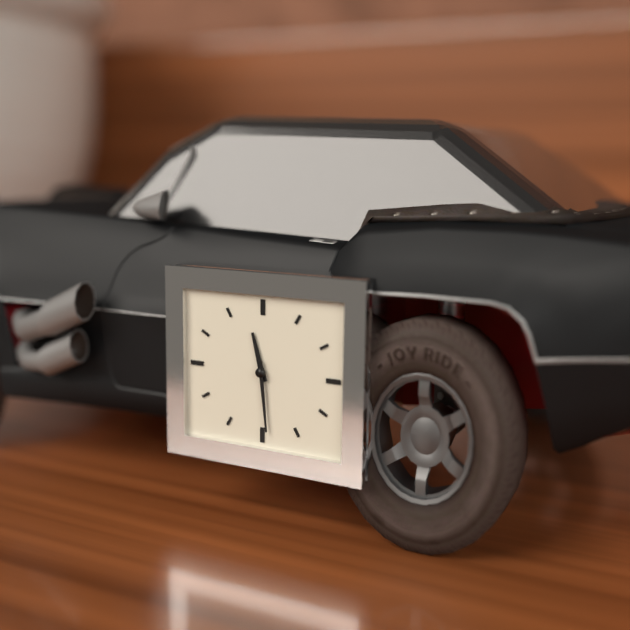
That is 11,29
